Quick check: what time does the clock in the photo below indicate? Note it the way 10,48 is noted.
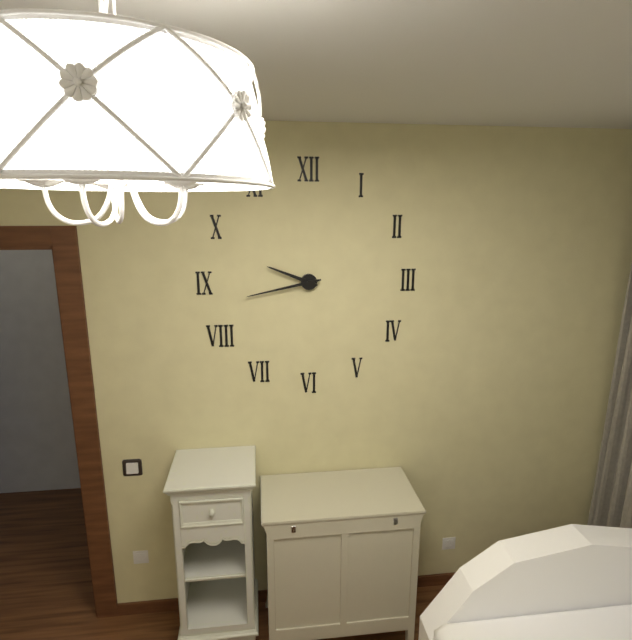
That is 9,43
